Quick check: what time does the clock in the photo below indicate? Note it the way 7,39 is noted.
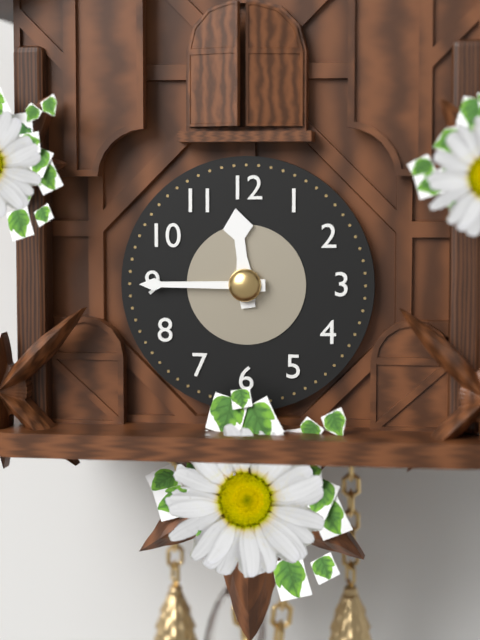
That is 11,45
